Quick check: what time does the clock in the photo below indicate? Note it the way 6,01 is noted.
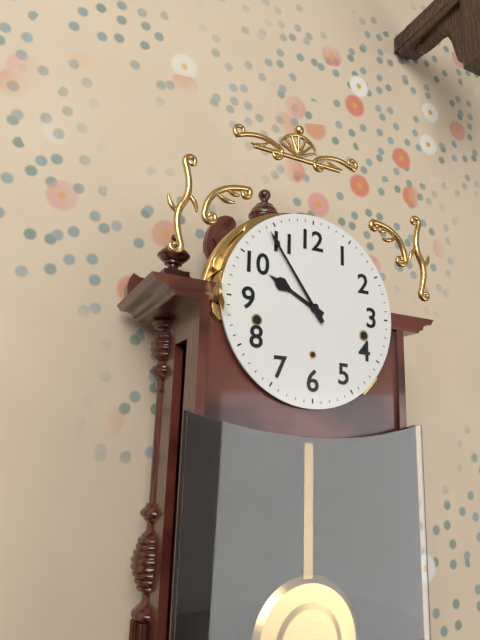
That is 9,54
